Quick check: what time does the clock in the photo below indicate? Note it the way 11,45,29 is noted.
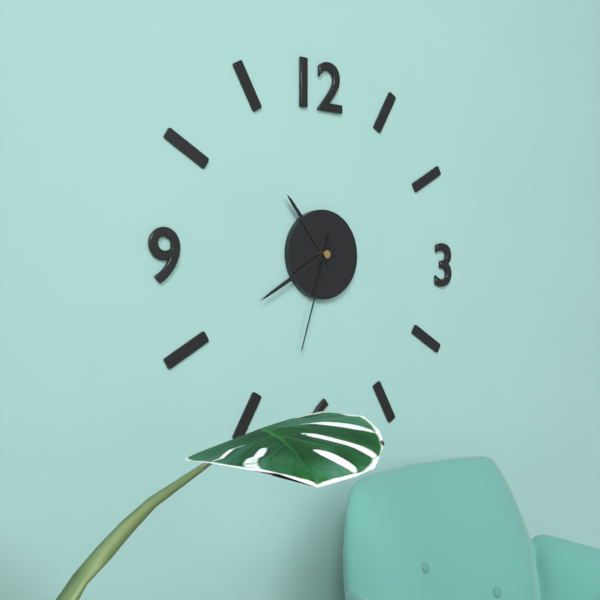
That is 10,40,33
